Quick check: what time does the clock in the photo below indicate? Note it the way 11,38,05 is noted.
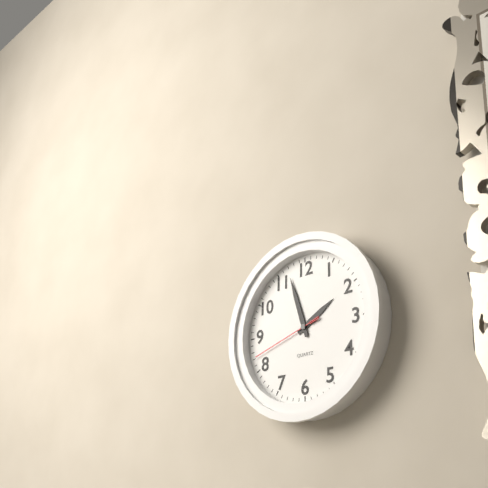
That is 1,57,42
